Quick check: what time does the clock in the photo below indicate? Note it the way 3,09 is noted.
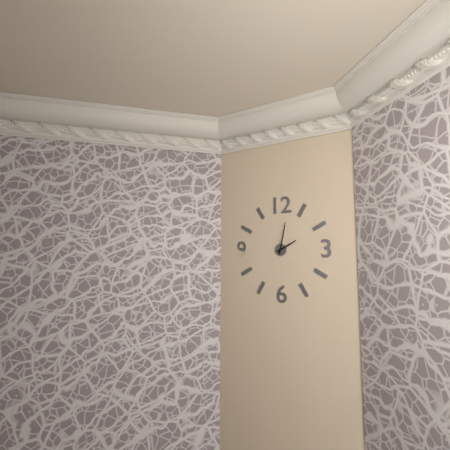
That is 2,02
